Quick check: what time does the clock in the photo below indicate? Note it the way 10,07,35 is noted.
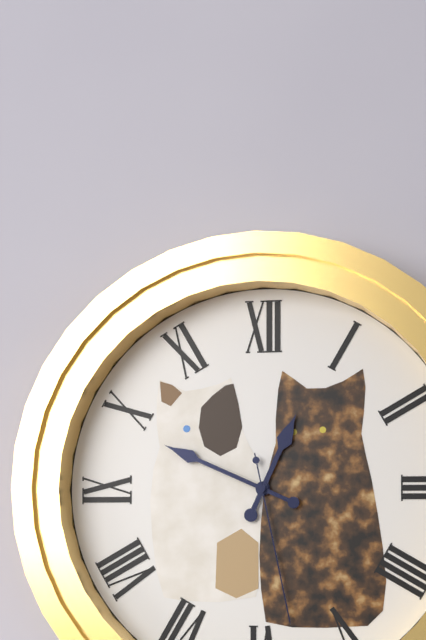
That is 12,49,28
